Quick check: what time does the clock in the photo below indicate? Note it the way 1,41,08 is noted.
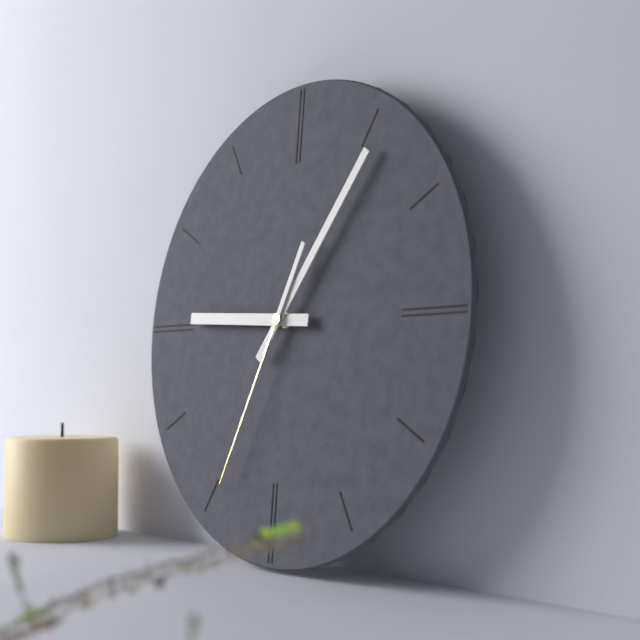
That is 9,06,34
